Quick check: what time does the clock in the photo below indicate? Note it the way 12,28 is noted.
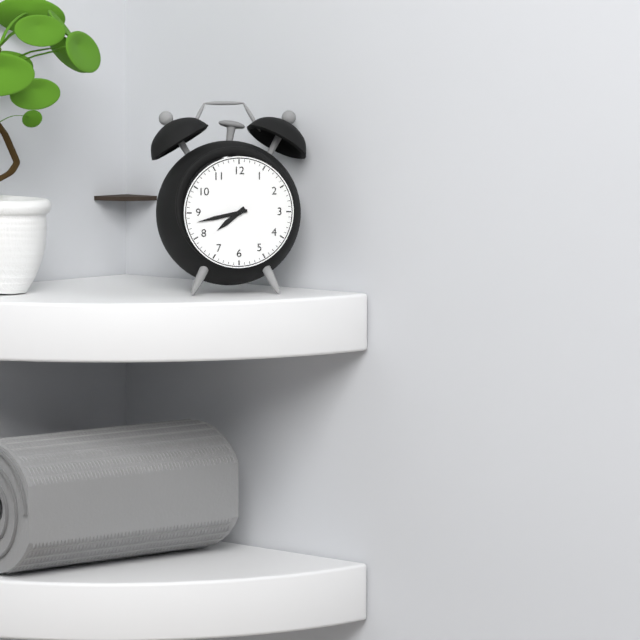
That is 7,43
